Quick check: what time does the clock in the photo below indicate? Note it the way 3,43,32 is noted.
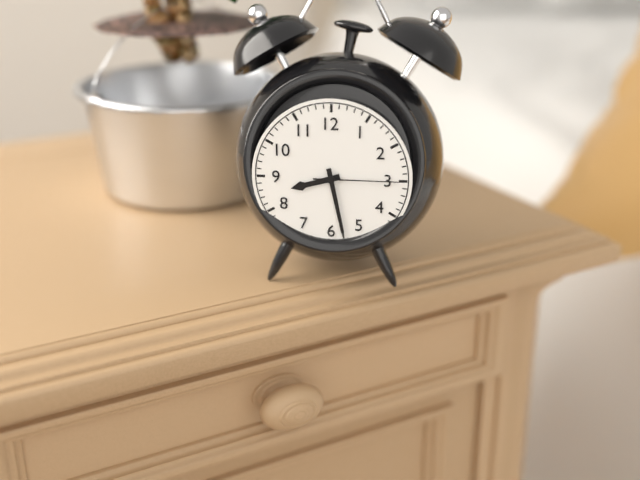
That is 8,28,15
